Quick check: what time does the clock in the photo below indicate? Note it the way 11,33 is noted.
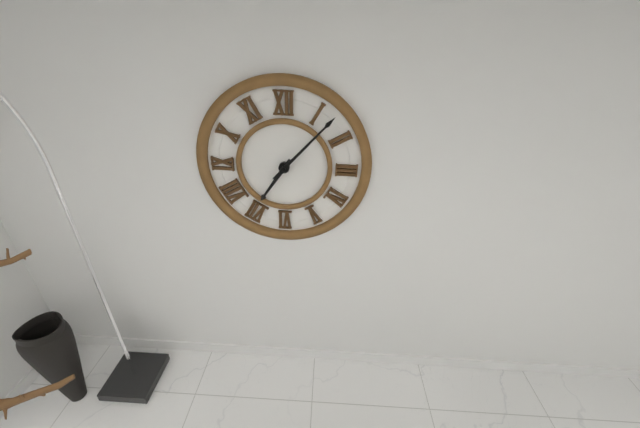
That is 7,07
